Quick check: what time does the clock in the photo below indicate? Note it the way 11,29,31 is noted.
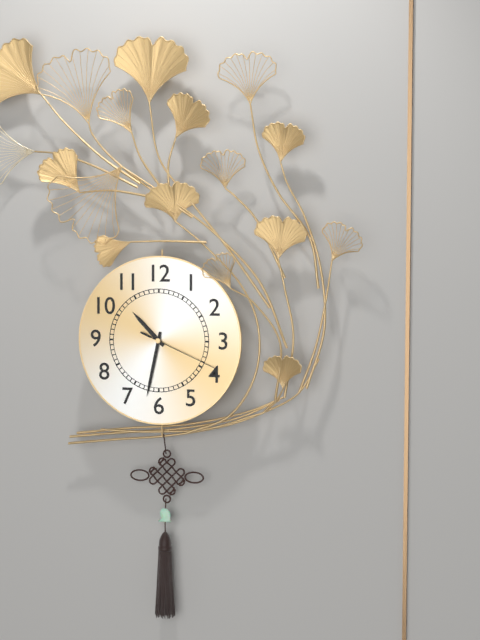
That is 10,32,19
